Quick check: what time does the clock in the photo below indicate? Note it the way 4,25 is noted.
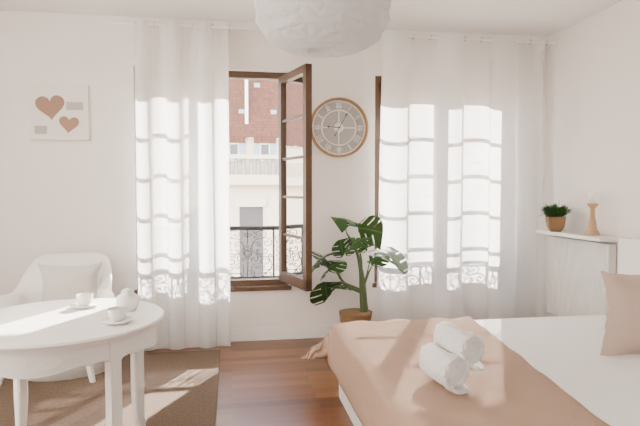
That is 9,05
